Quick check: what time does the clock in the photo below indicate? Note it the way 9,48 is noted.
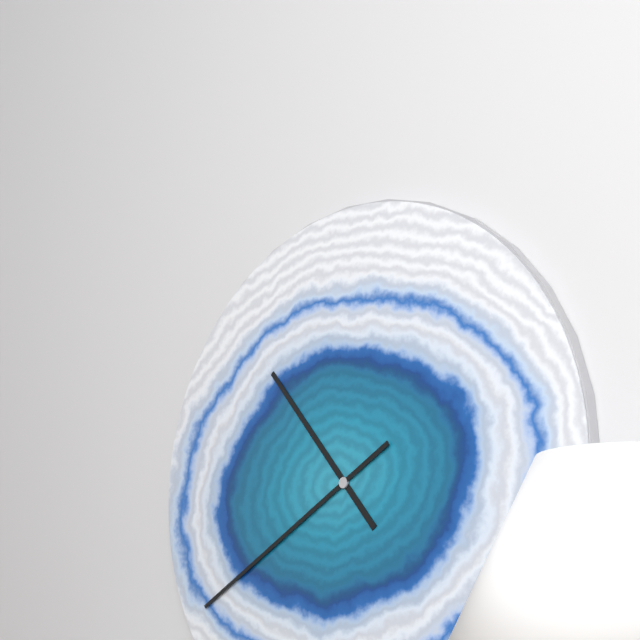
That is 10,40
